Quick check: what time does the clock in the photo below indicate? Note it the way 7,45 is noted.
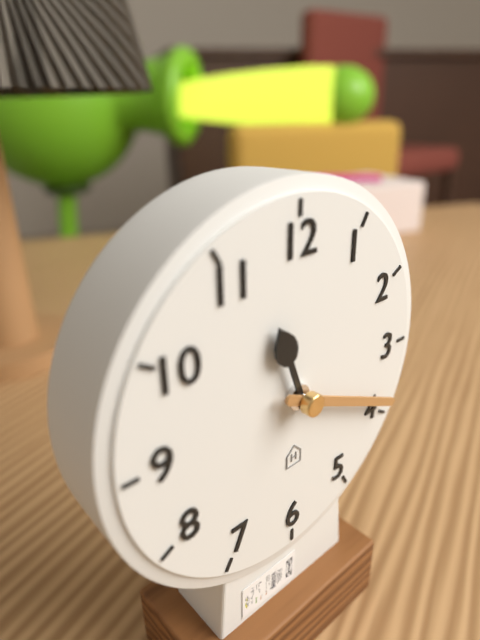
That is 11,19
